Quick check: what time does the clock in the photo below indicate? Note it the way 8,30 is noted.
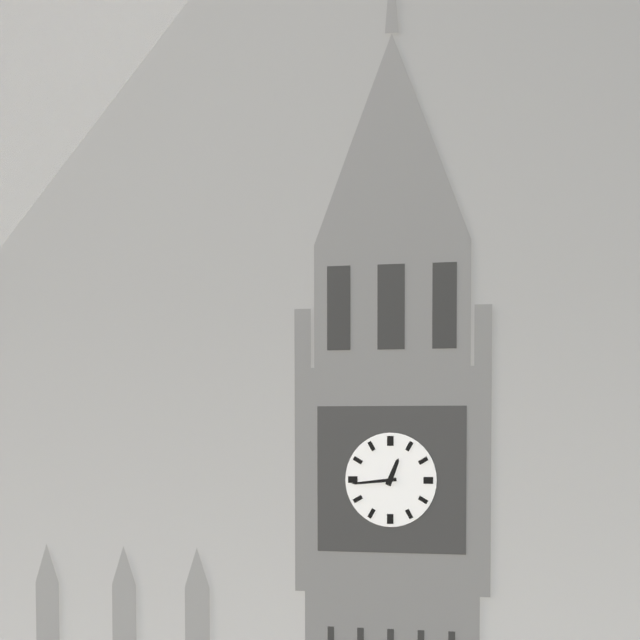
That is 12,44
